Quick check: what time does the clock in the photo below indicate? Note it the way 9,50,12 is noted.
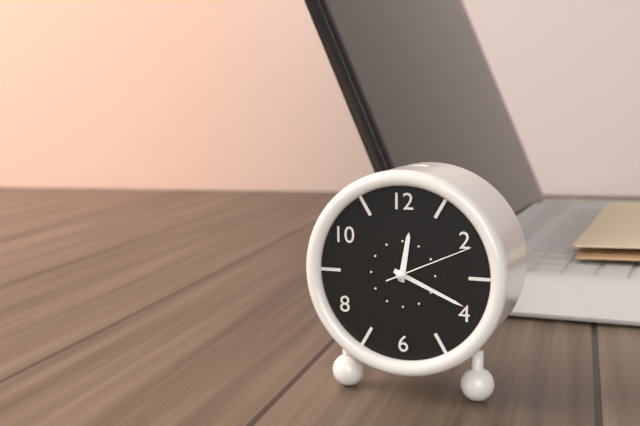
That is 12,19,11
